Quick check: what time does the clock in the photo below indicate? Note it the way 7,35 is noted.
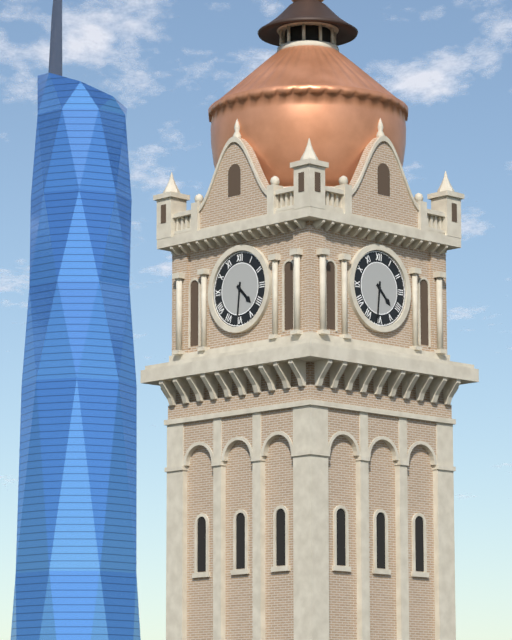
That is 4,31
